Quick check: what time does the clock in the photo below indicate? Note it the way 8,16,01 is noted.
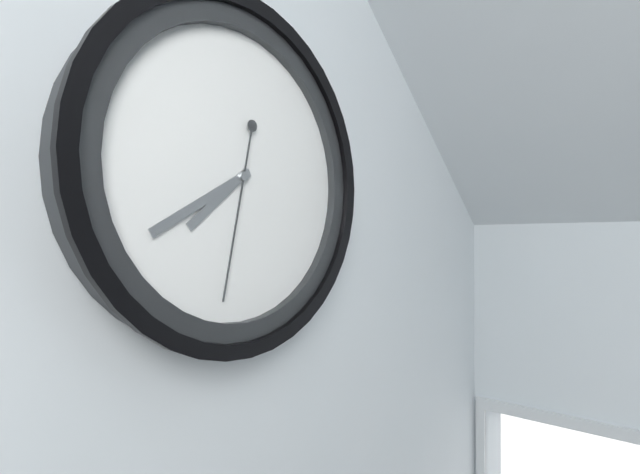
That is 7,40,32
